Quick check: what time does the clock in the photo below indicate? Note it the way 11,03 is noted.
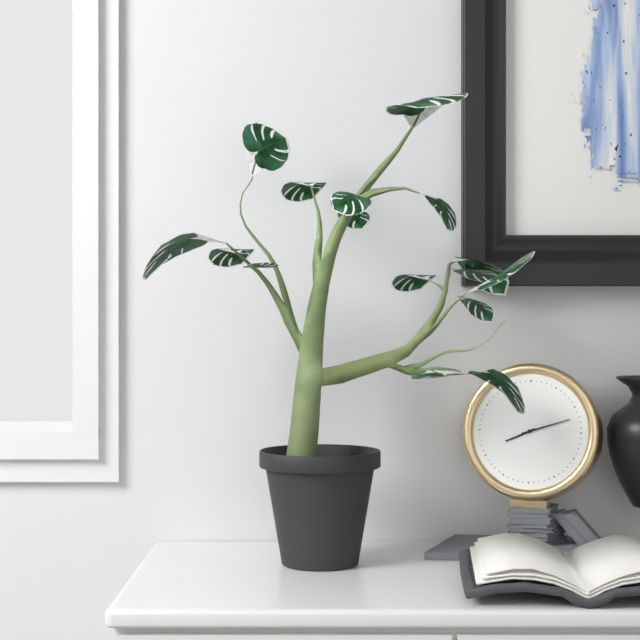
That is 8,12
